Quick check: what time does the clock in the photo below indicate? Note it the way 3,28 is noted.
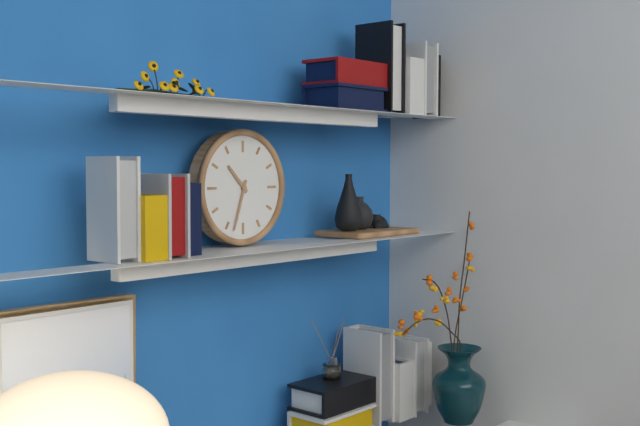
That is 10,33
